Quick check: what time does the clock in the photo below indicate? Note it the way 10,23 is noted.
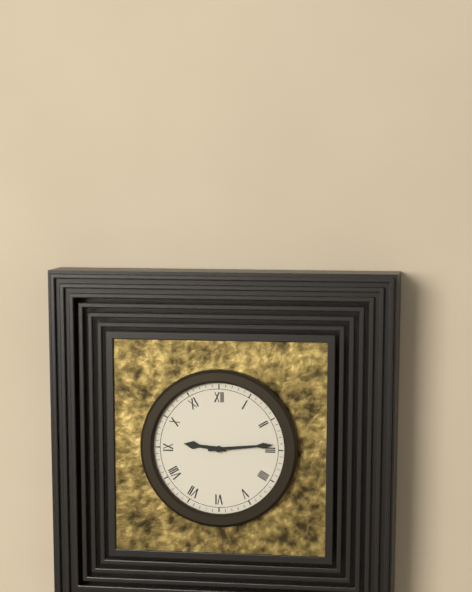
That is 9,14
